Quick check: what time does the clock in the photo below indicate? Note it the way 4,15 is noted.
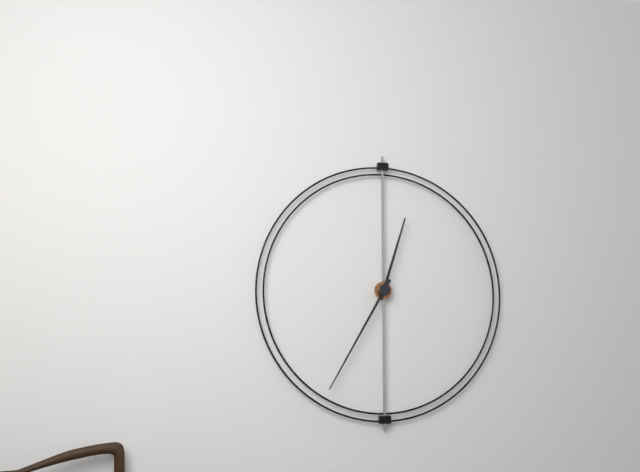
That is 12,35
